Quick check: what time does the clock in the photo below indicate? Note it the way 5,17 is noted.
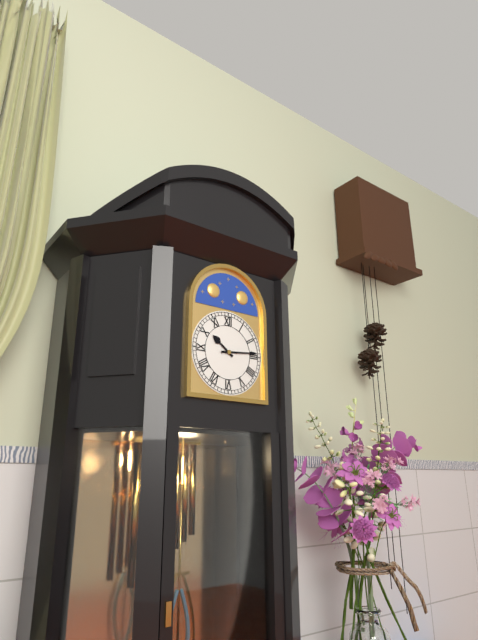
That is 10,14
